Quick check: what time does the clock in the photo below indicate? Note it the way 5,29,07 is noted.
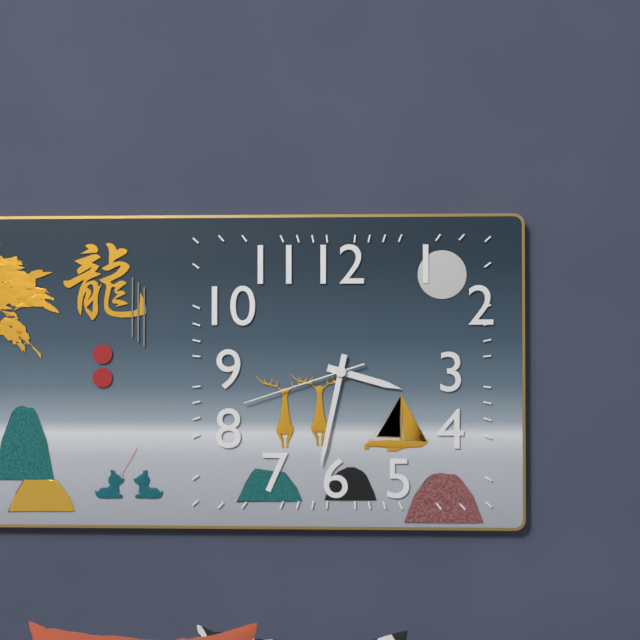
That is 3,32,42
